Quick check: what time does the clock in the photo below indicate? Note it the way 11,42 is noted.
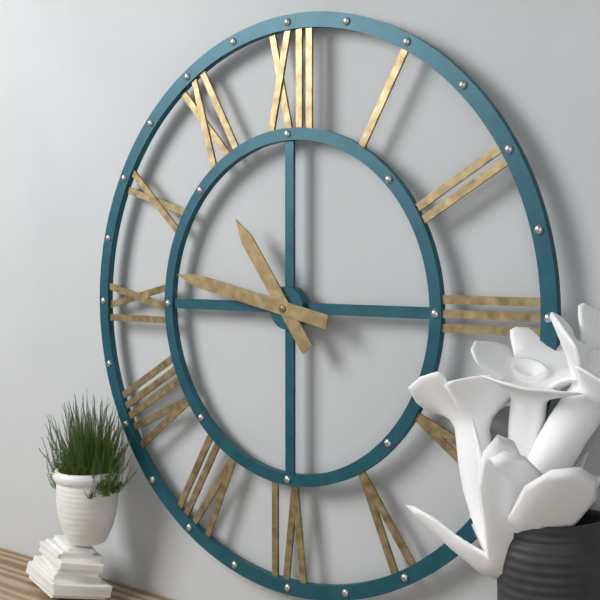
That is 10,47
